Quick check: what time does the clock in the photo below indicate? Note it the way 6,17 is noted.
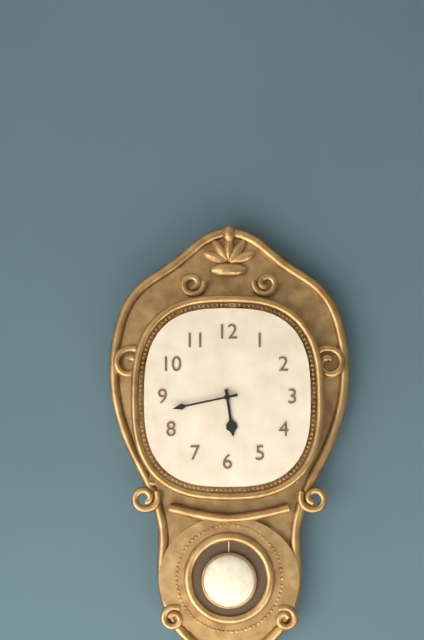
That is 5,43
